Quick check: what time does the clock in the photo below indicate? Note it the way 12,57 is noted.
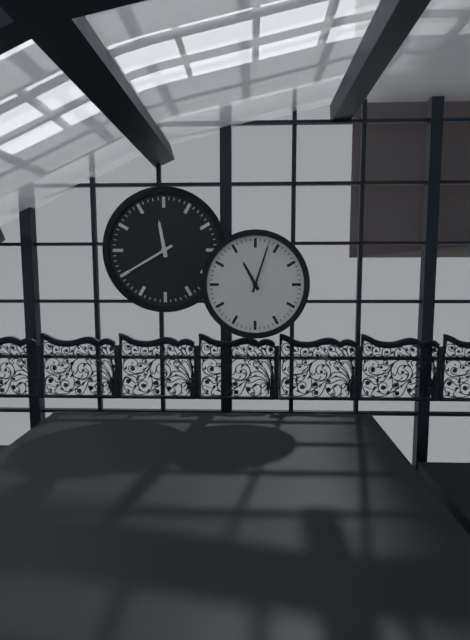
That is 11,03
